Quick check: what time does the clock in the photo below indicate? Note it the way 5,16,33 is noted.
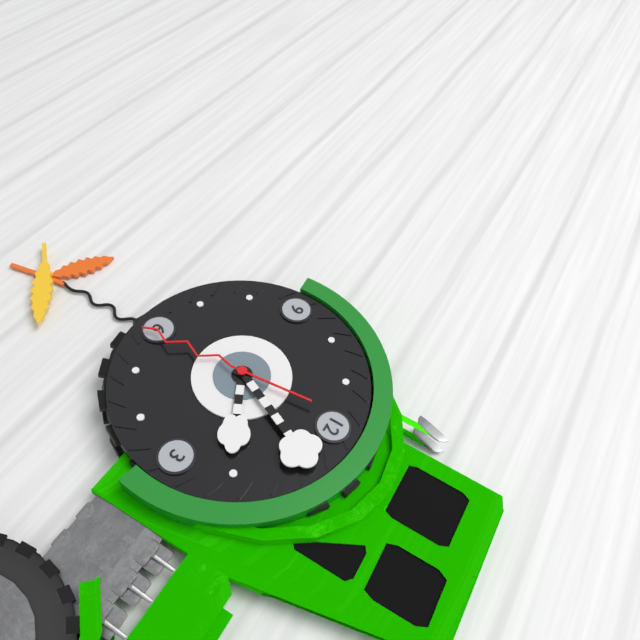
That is 2,04,29
